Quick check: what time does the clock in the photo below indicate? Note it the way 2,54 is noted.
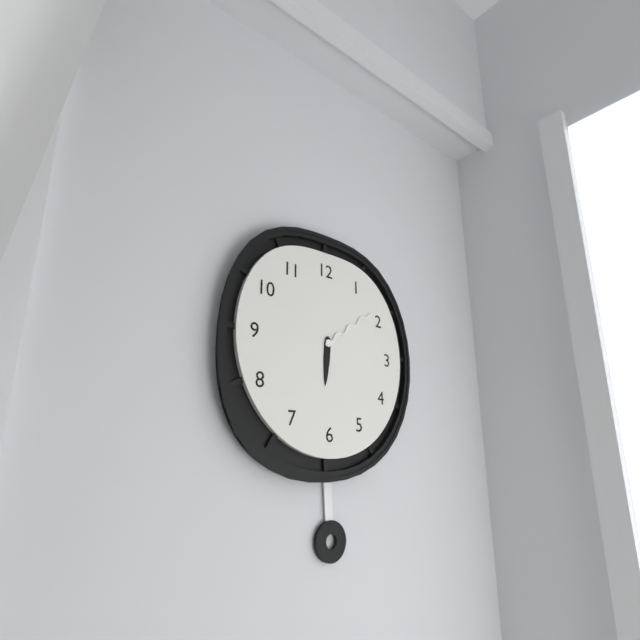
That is 6,09
